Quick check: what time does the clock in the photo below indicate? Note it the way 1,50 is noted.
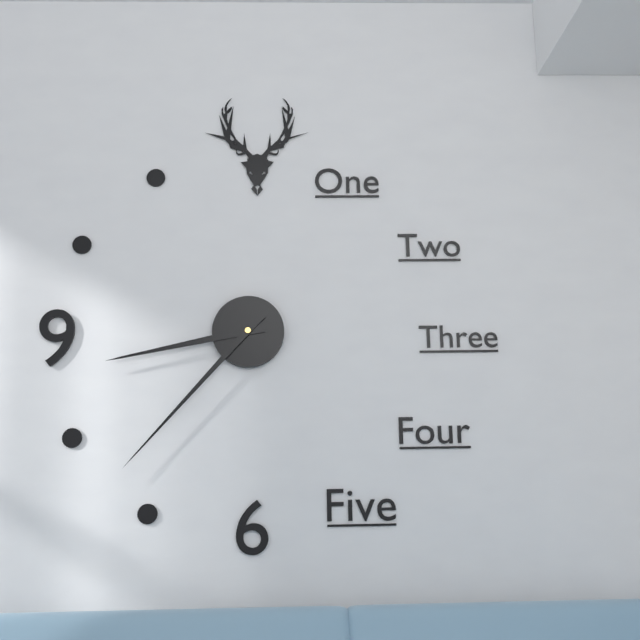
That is 8,37
